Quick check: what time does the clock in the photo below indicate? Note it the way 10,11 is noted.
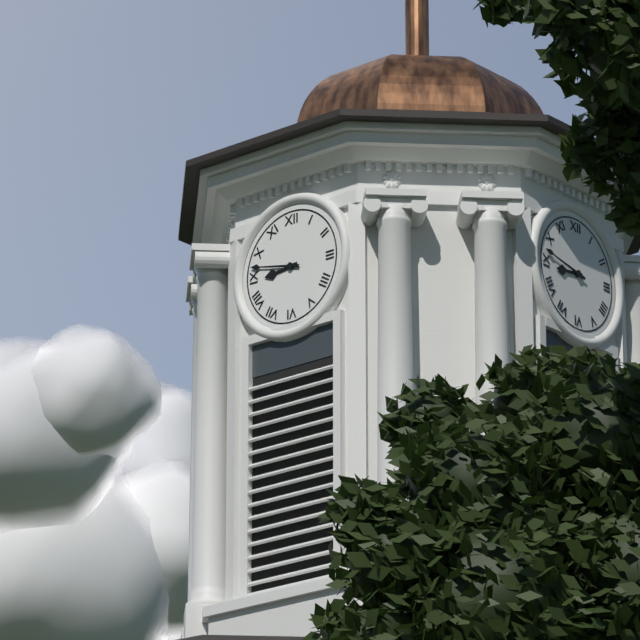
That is 8,47
